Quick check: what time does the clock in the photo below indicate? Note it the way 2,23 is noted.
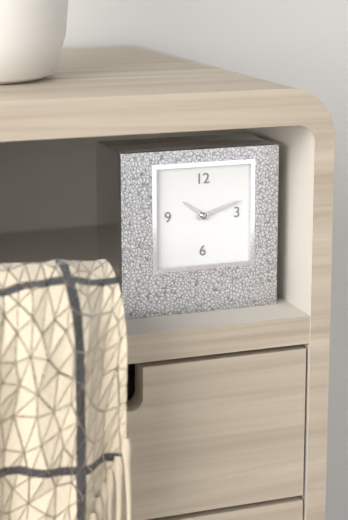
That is 10,12
